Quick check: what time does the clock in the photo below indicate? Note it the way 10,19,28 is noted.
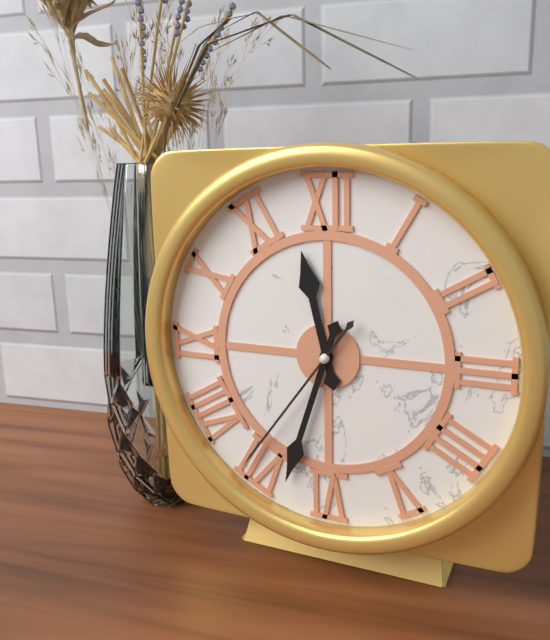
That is 11,33,36
